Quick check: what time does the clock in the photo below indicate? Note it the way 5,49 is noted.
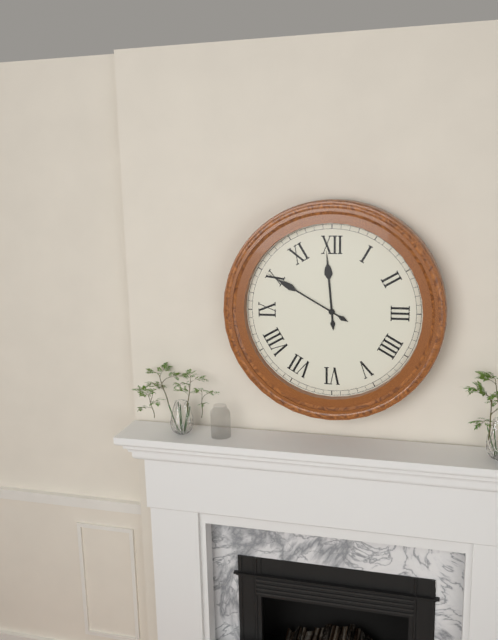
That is 11,50
